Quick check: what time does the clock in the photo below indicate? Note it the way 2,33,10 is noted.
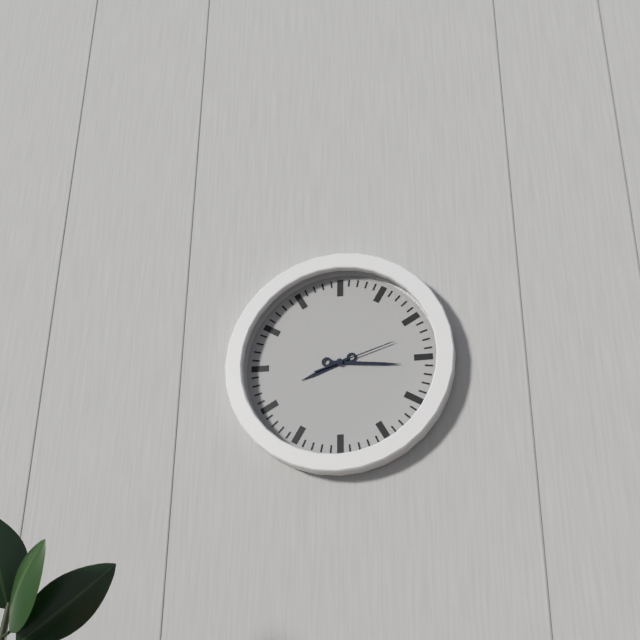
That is 8,16,12
